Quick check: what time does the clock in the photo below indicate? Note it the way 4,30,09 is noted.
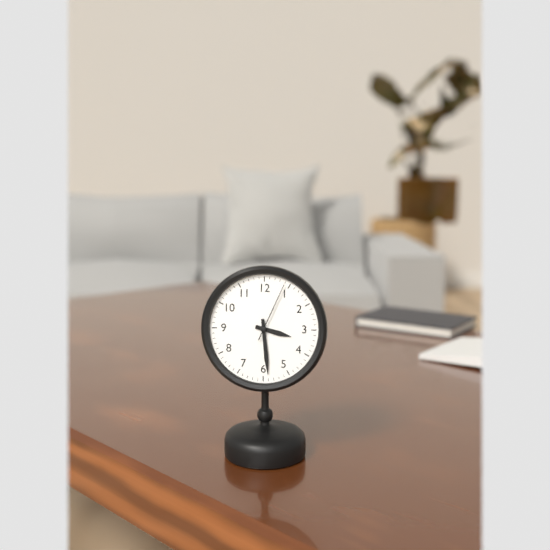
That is 3,29,04
